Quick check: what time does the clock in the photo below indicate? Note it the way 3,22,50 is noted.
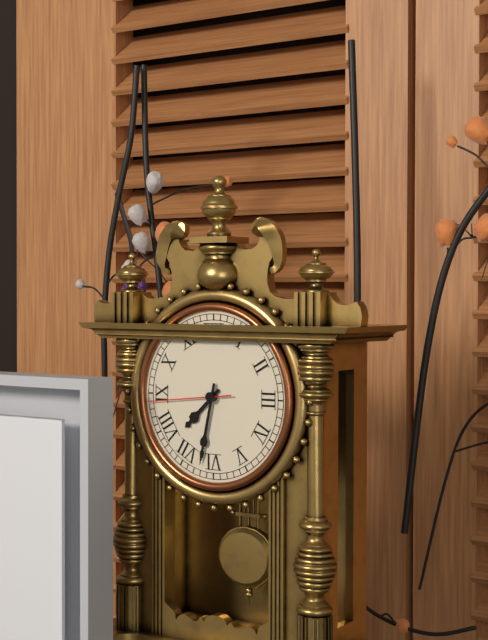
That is 7,32,44
